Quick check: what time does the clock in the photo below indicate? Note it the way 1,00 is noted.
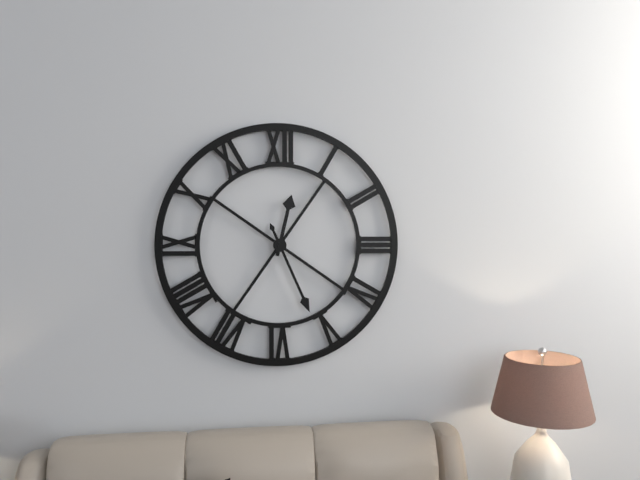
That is 12,26
